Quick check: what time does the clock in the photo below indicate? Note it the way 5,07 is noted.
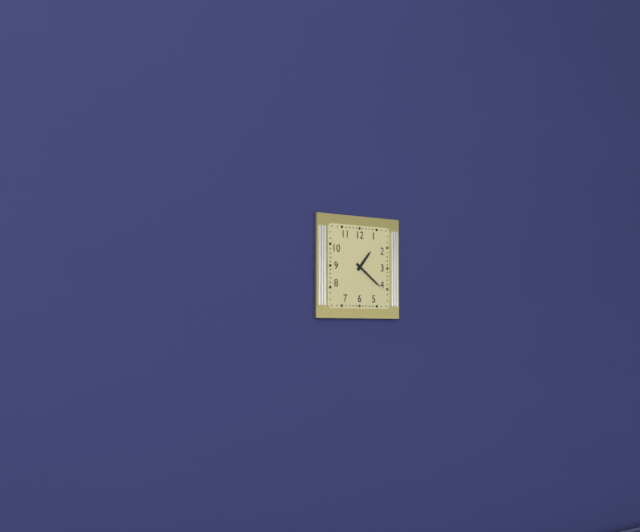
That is 1,21
